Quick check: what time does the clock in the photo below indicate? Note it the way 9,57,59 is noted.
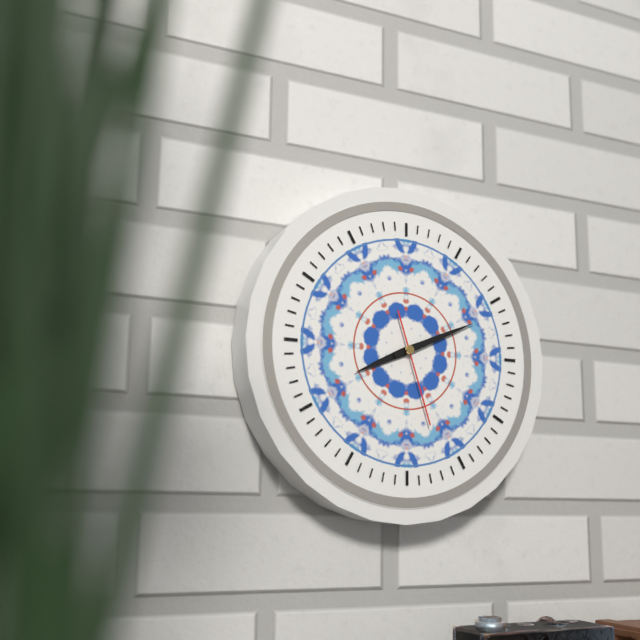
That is 8,11,27
